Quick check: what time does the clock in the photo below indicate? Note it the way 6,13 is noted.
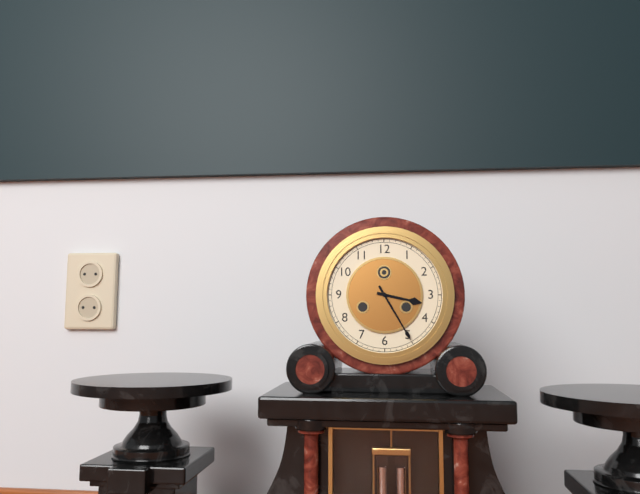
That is 3,25
